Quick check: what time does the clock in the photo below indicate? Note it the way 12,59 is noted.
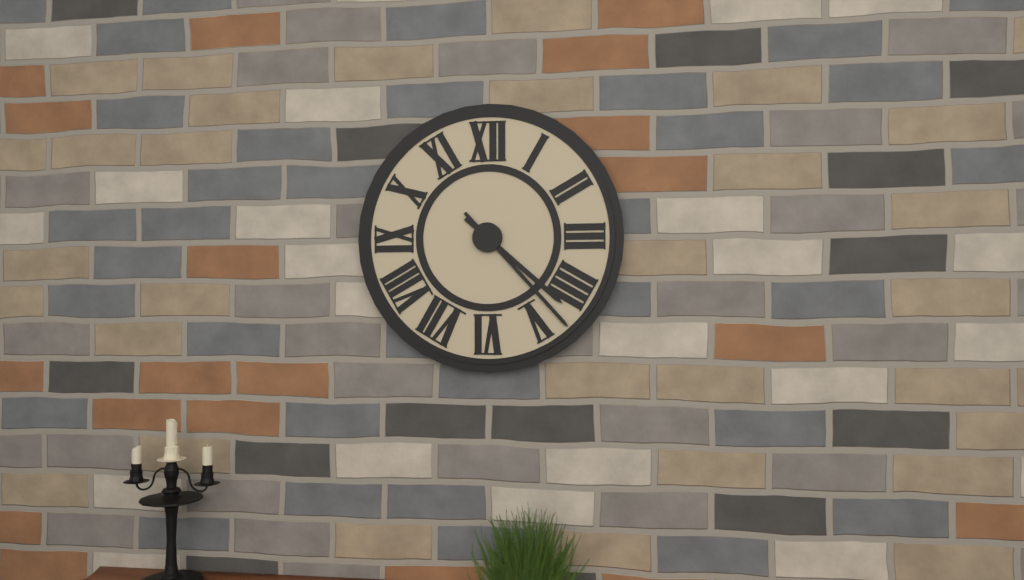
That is 4,23
